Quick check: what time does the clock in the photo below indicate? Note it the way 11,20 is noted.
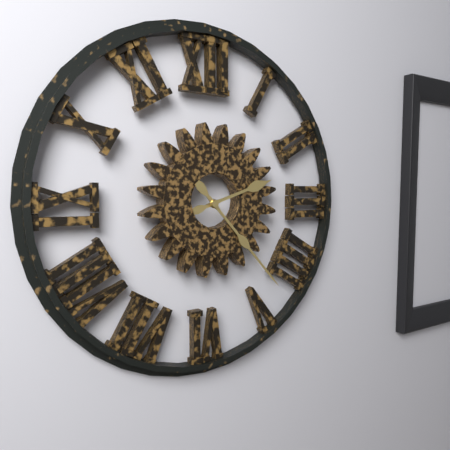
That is 2,23
